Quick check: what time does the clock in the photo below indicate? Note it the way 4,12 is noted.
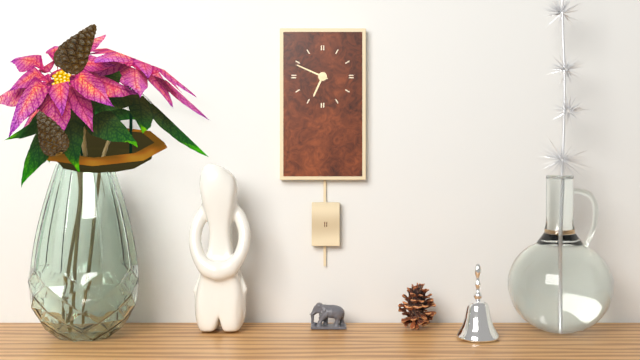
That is 6,49
